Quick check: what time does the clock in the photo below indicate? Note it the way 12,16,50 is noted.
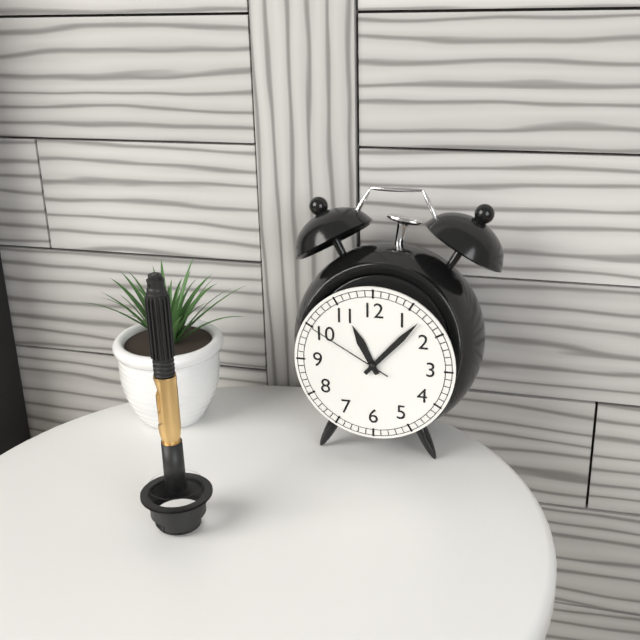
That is 11,07,50
